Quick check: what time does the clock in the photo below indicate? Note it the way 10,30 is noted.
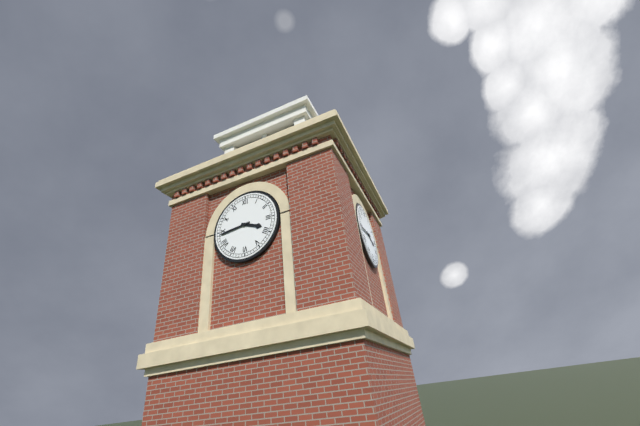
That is 3,44
